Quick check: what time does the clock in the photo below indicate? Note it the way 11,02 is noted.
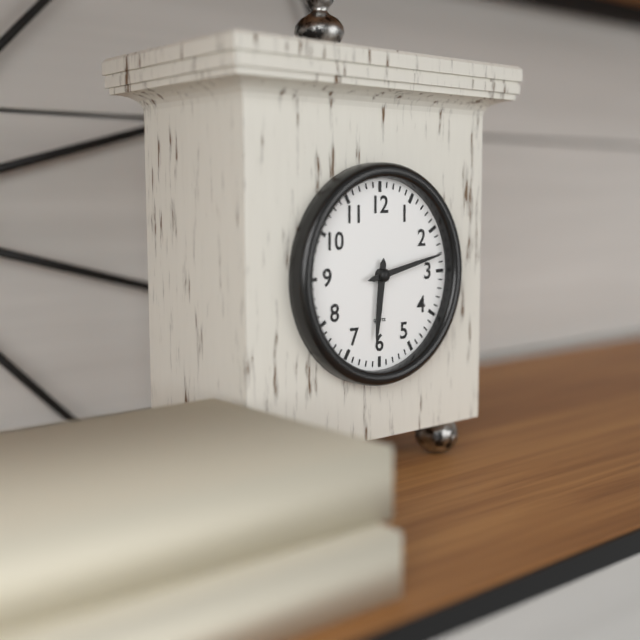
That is 6,13
